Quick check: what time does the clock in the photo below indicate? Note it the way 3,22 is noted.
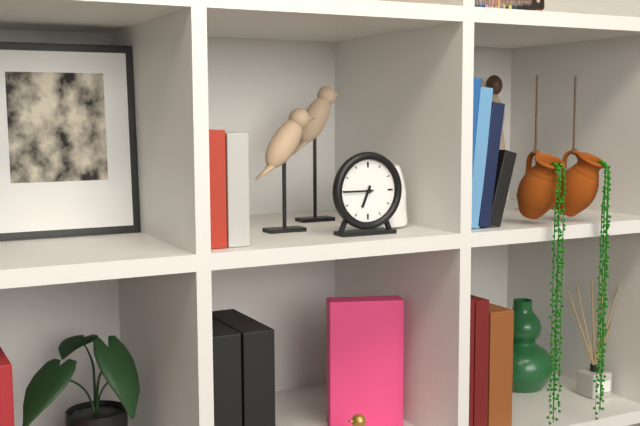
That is 6,45
